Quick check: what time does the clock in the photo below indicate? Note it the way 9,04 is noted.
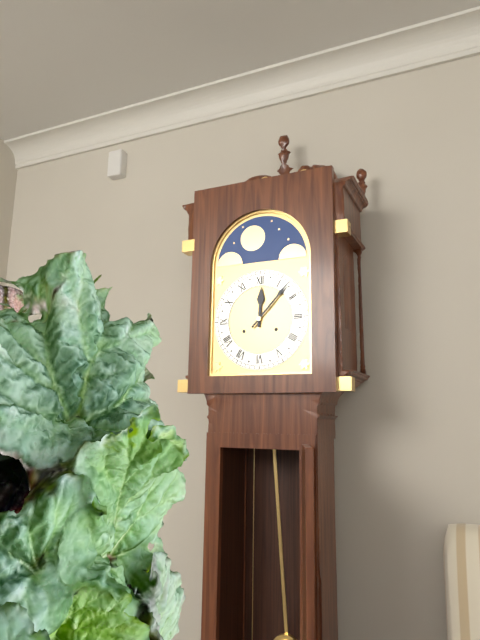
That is 12,07
